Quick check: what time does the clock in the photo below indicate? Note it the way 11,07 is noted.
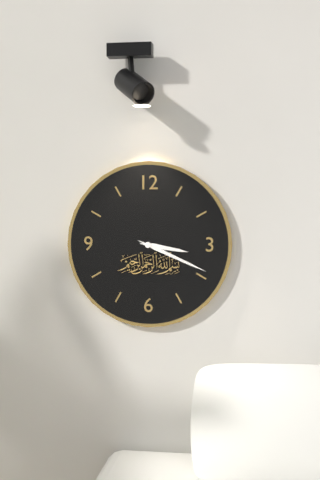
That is 3,19
